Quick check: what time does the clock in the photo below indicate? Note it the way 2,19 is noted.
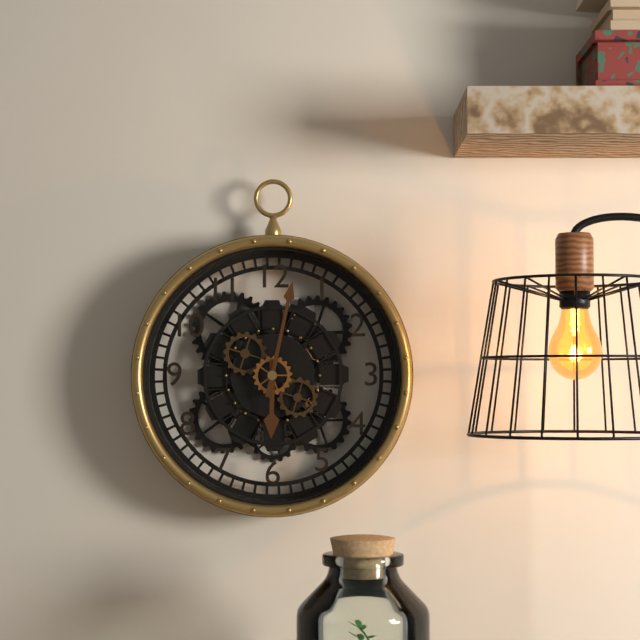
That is 6,02
